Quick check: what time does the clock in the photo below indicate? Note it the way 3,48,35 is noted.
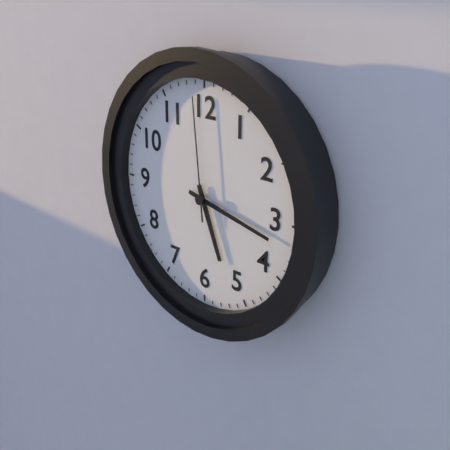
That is 5,17,59
